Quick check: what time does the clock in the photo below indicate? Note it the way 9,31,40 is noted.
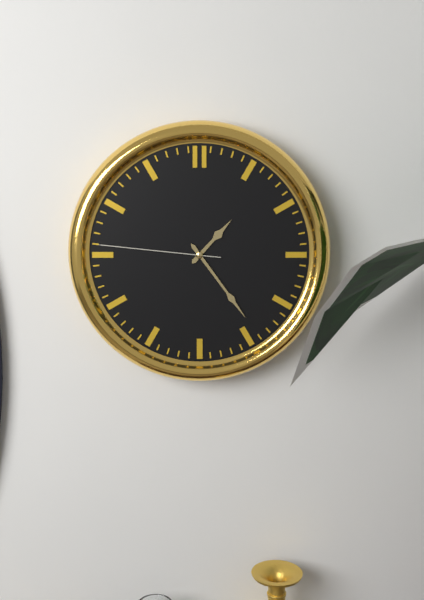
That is 1,24,46
